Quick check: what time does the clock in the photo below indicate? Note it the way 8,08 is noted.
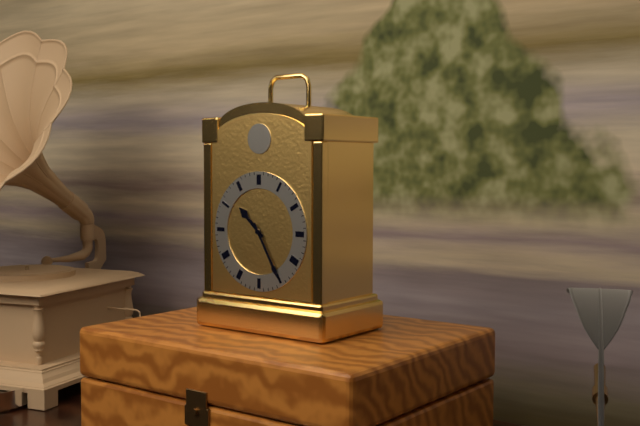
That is 10,25
